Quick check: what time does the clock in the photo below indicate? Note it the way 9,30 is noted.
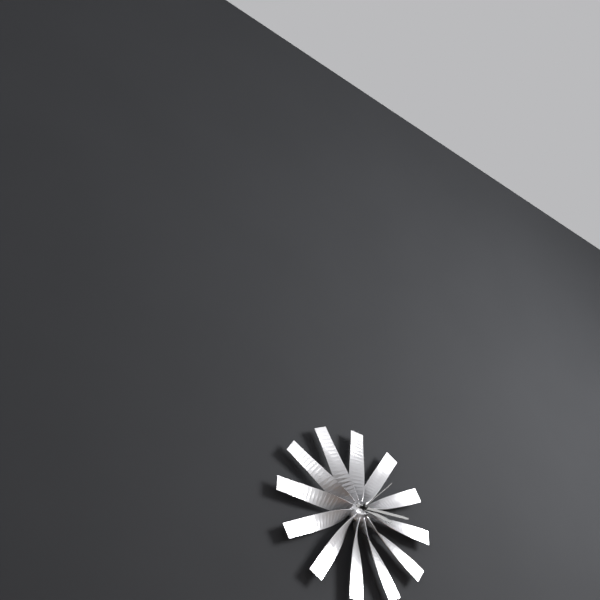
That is 3,14
